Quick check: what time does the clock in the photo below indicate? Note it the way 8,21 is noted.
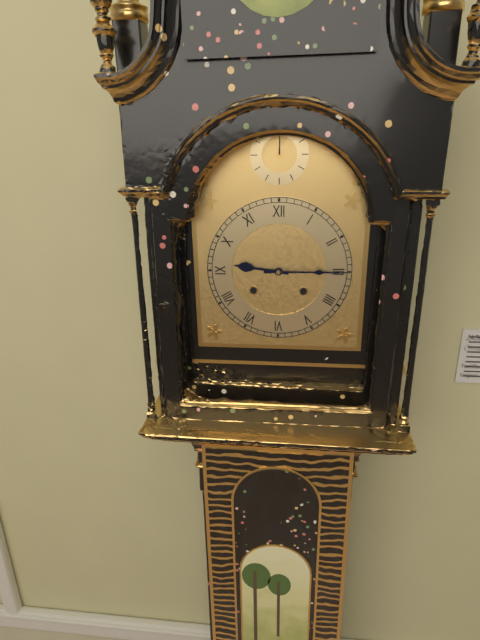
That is 9,15
